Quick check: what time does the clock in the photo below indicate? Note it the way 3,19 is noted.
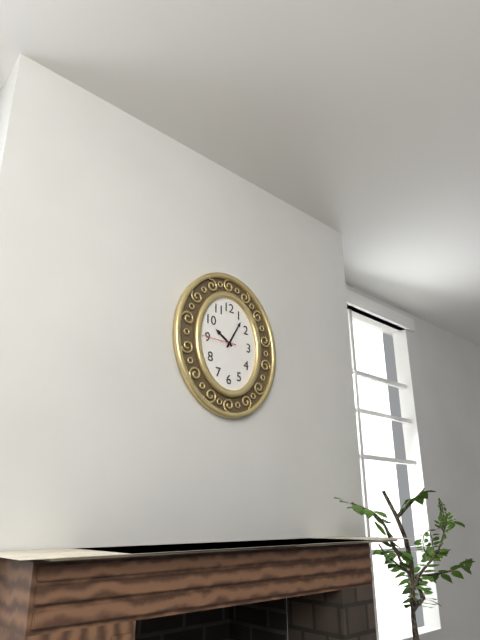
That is 10,05
